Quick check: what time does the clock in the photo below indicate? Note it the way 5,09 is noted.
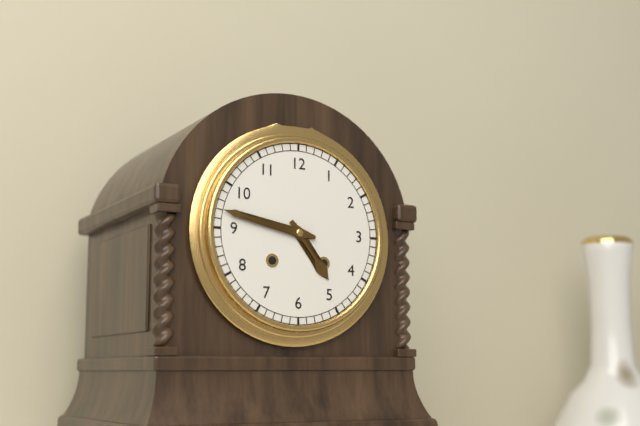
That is 4,47
